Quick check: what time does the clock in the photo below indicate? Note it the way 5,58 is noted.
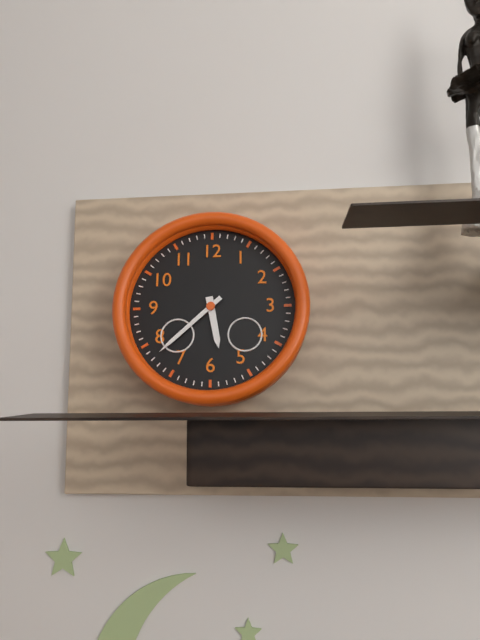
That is 5,38
